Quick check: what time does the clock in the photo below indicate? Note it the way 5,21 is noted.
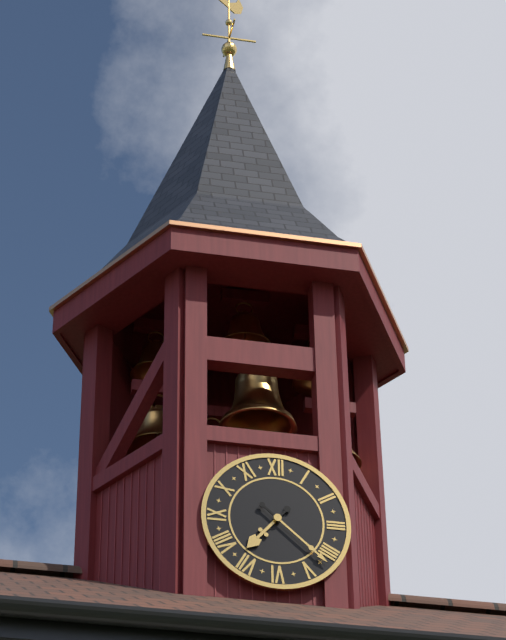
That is 7,22
